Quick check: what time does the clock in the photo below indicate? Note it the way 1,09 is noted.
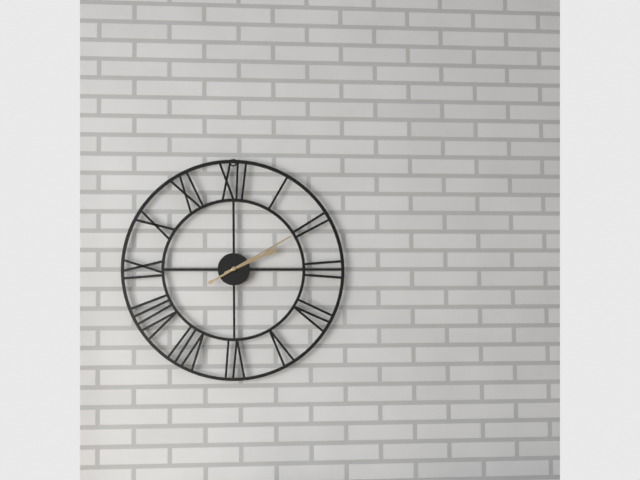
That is 2,10
